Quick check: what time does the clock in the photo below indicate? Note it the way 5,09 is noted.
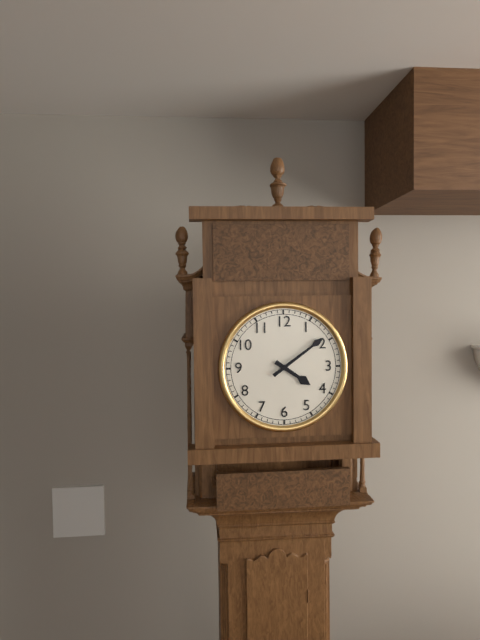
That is 4,09
